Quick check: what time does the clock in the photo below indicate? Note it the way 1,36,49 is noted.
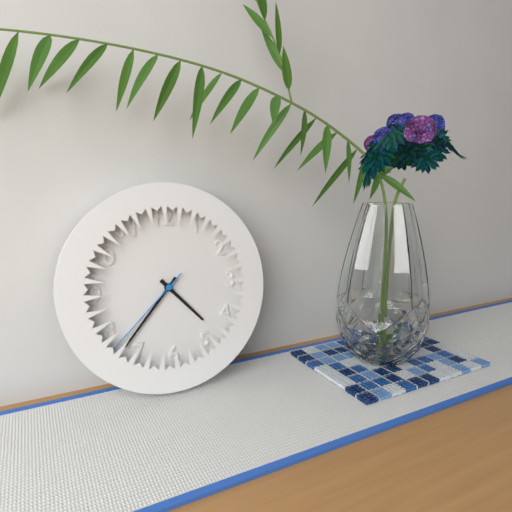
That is 4,37,38
